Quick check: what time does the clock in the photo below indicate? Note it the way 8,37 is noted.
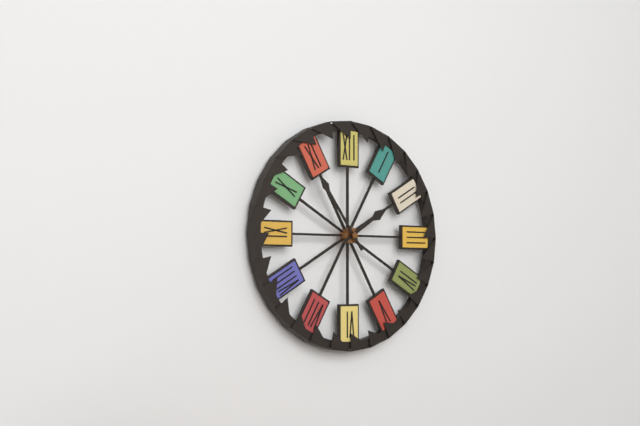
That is 1,54
